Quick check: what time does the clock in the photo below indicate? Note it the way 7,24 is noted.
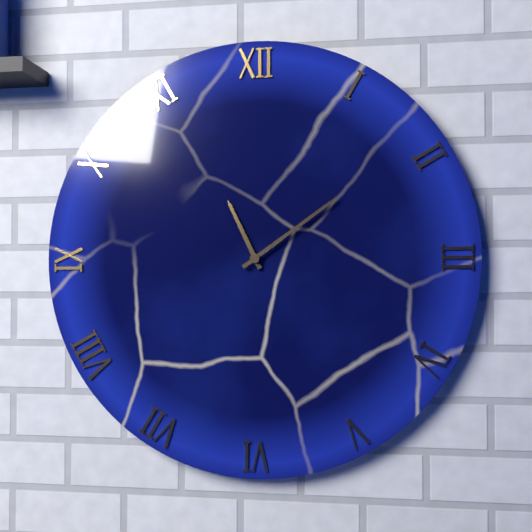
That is 11,09
